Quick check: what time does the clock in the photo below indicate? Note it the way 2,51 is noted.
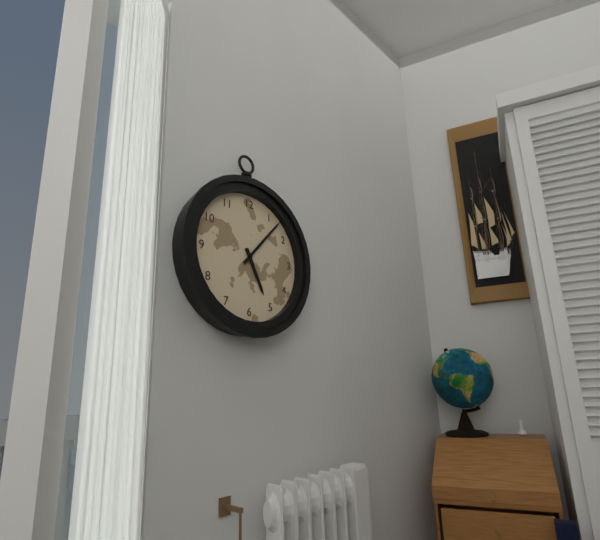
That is 5,07
